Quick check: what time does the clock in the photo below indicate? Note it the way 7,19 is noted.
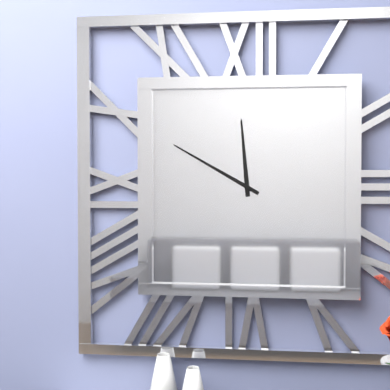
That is 11,50
